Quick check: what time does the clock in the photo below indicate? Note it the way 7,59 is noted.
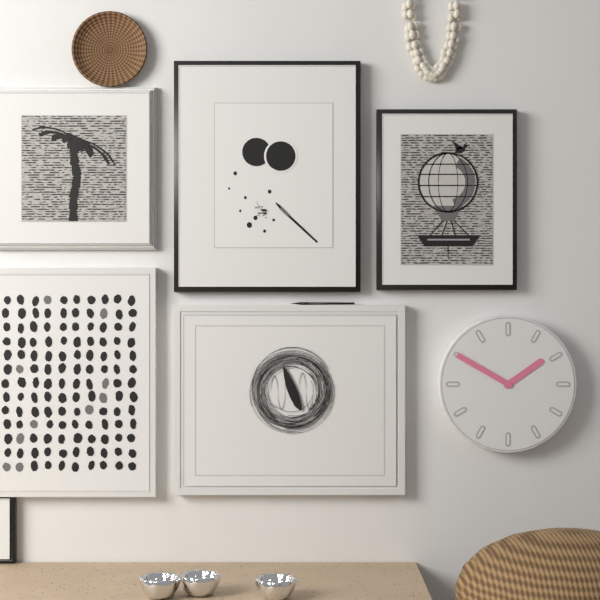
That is 1,50
